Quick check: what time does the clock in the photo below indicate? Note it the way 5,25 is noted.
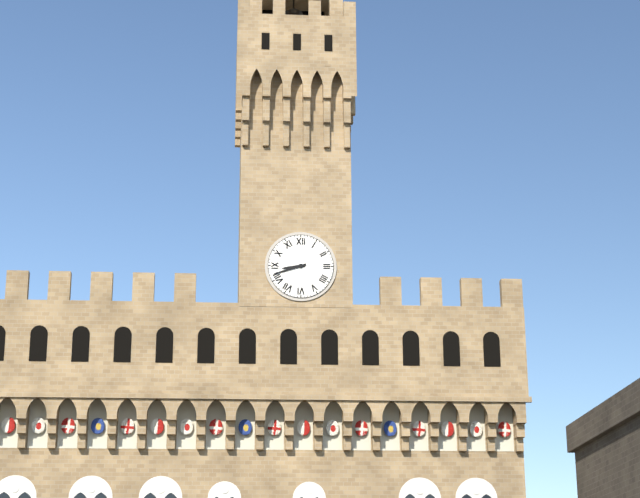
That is 8,42
